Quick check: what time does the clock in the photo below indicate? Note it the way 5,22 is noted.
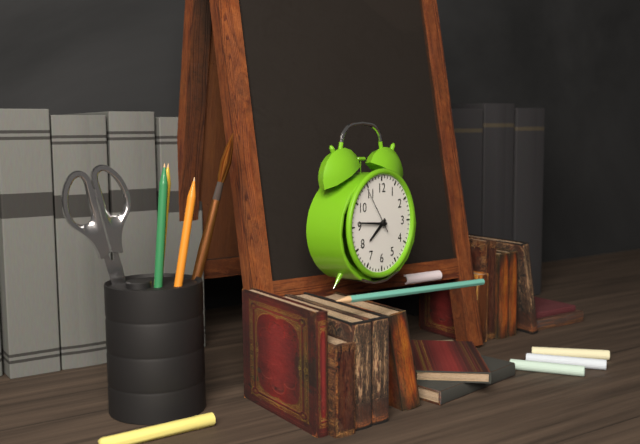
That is 7,46
